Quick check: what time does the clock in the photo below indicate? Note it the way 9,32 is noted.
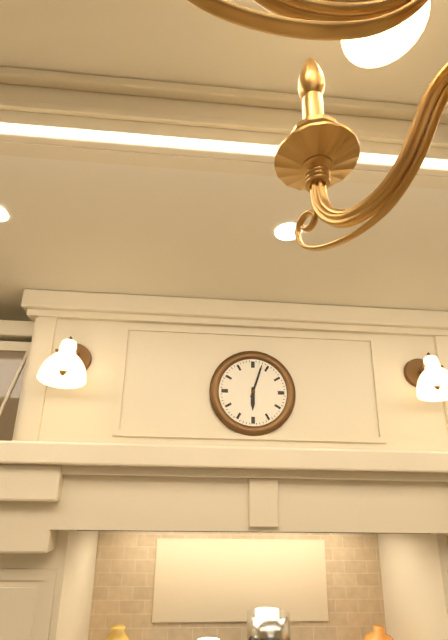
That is 6,03
